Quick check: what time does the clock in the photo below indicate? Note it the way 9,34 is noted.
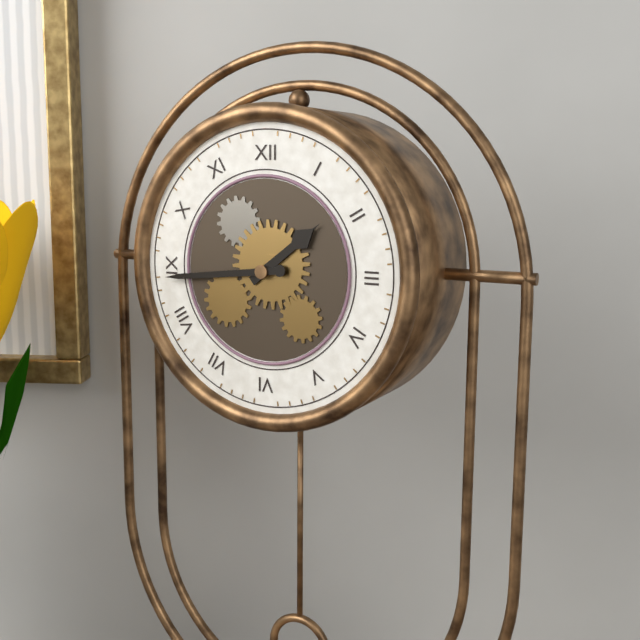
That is 1,44
